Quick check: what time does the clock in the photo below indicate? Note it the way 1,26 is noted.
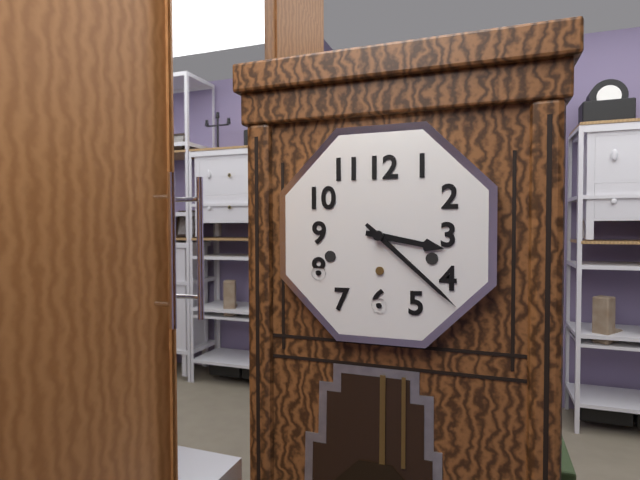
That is 3,22
